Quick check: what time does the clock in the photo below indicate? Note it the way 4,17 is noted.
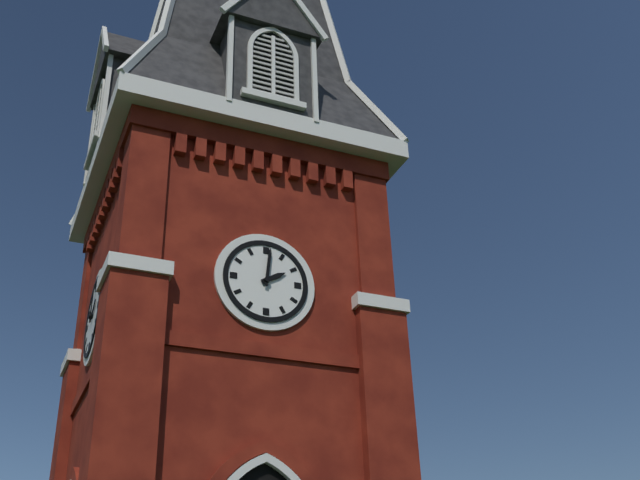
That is 2,01
